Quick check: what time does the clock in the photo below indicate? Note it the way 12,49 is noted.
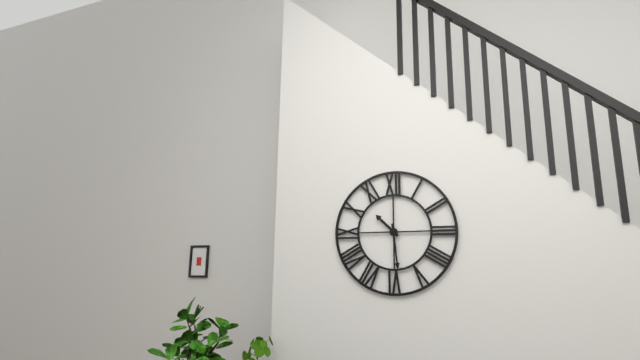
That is 10,29
